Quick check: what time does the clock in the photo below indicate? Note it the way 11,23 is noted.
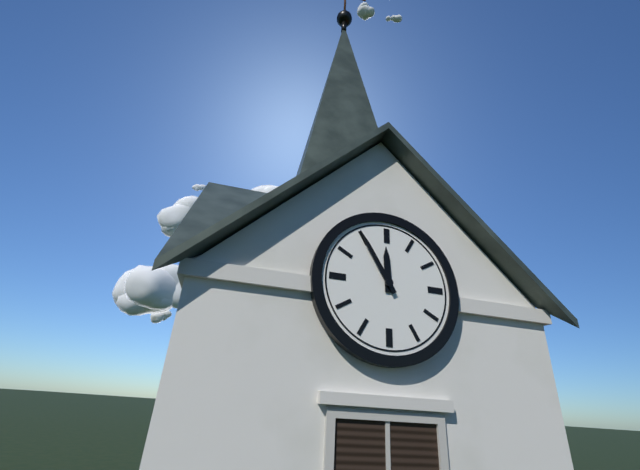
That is 11,55
